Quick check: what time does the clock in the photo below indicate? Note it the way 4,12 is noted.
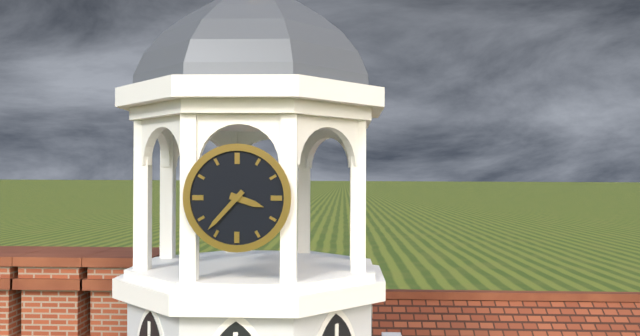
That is 3,37
